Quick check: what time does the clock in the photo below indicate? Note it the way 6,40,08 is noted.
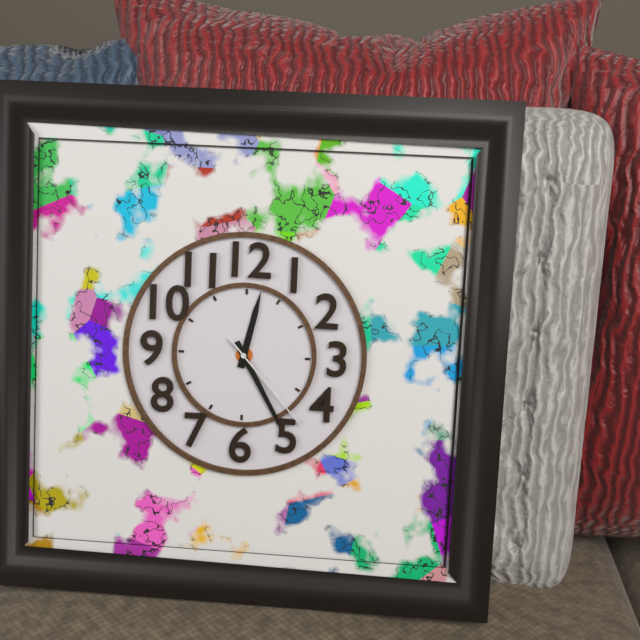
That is 12,25,23
